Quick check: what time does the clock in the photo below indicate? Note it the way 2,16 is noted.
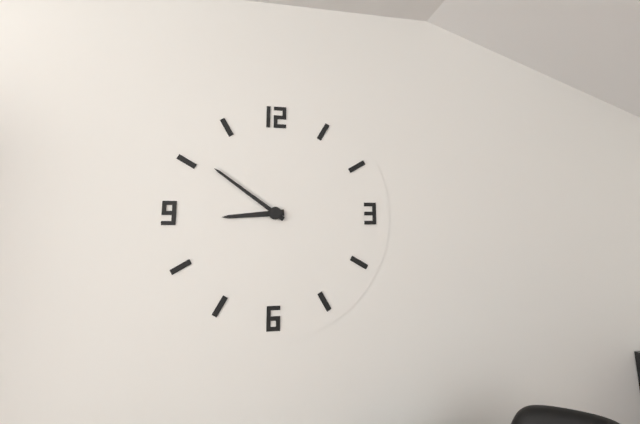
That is 8,51
